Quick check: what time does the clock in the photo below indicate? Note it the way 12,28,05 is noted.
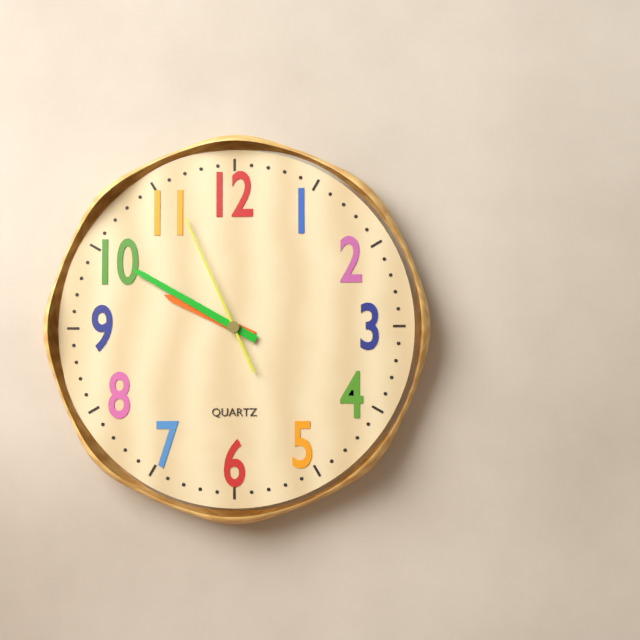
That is 9,50,56
